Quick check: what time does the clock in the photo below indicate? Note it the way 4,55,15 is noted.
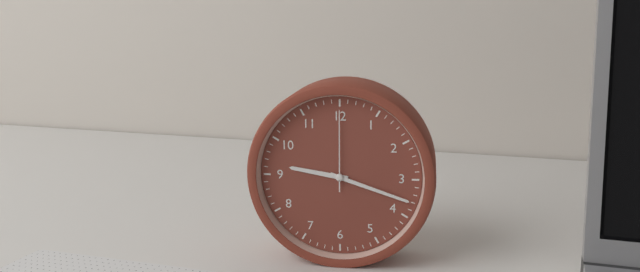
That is 9,18,00
